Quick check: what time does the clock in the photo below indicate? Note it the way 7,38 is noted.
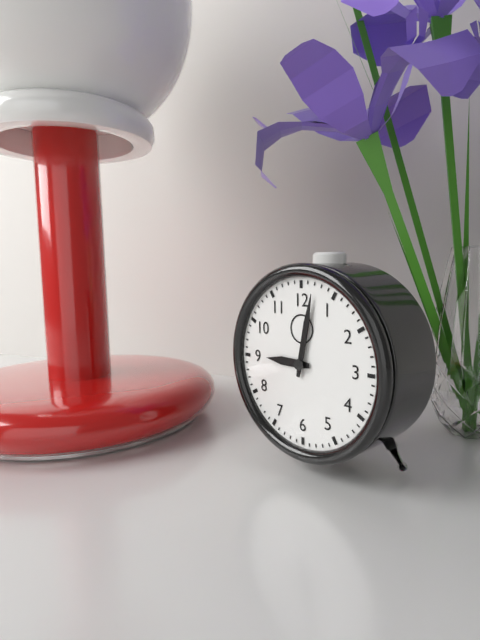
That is 9,02
